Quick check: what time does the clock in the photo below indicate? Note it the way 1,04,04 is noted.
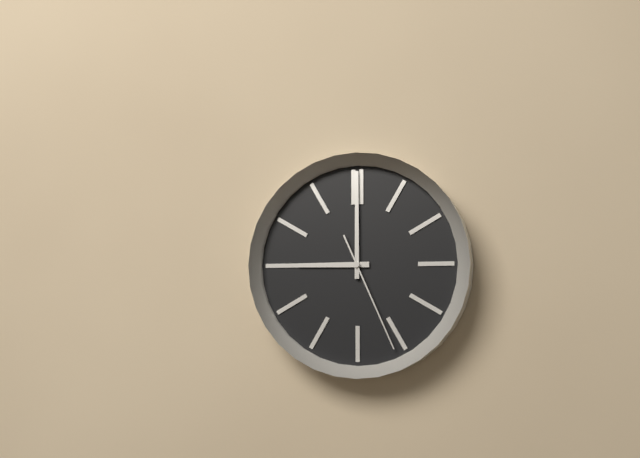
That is 9,00,26
